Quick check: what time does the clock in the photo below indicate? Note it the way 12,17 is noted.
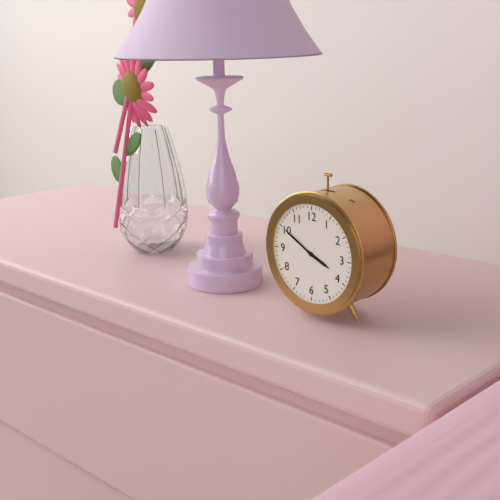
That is 3,50
